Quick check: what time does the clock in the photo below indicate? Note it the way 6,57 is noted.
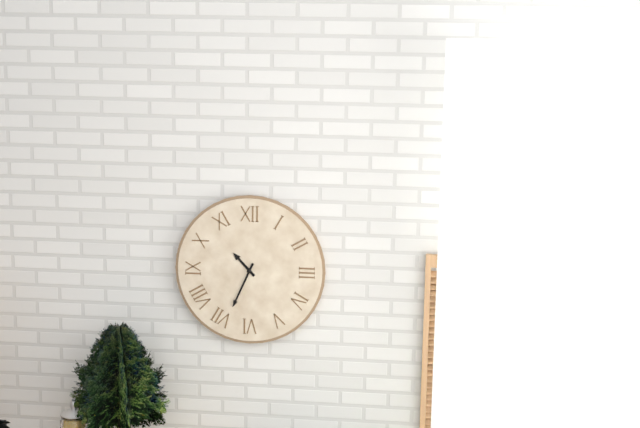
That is 10,34
